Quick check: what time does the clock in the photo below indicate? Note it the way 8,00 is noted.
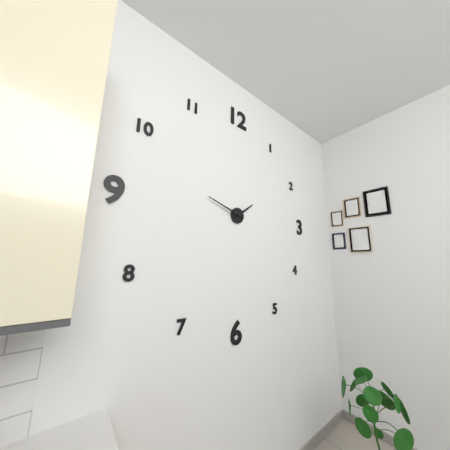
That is 1,48
